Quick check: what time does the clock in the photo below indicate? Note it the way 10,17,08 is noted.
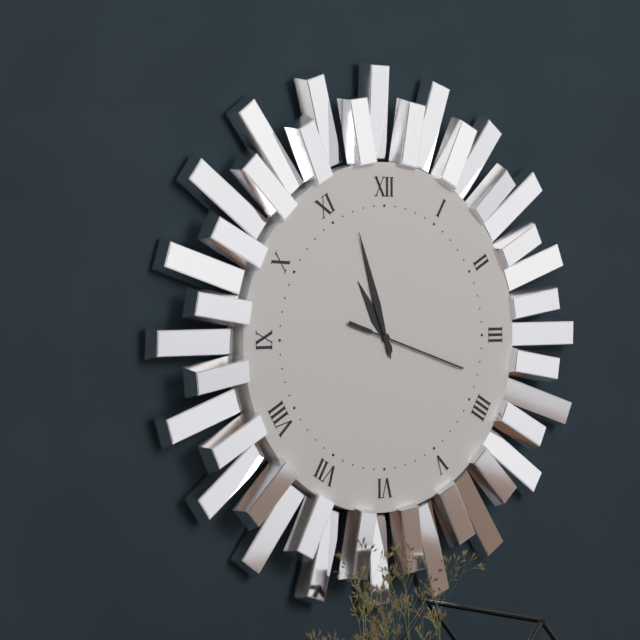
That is 10,57,18
